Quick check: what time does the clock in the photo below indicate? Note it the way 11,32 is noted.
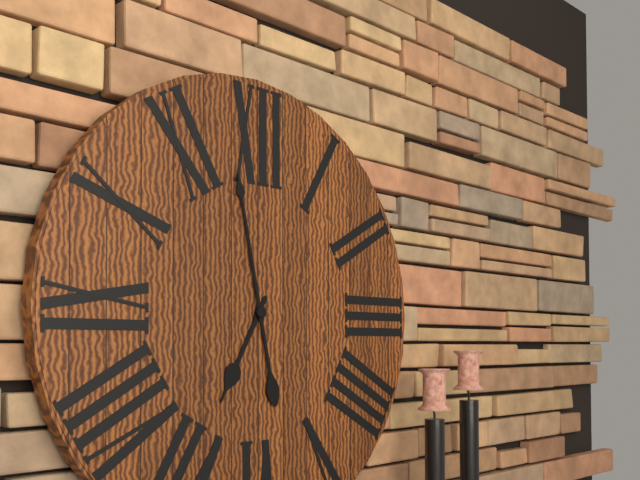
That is 6,58
